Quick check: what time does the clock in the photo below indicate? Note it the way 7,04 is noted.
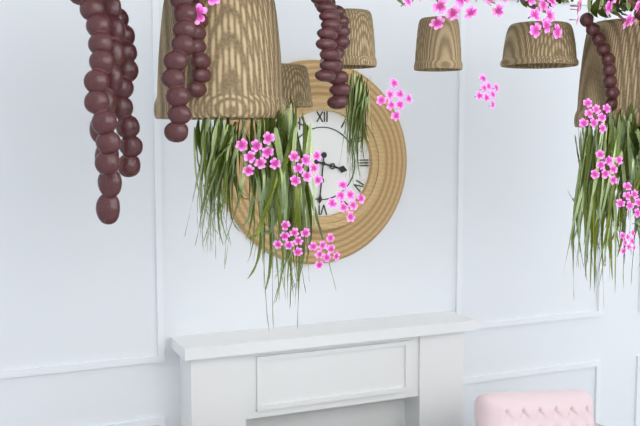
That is 3,31
